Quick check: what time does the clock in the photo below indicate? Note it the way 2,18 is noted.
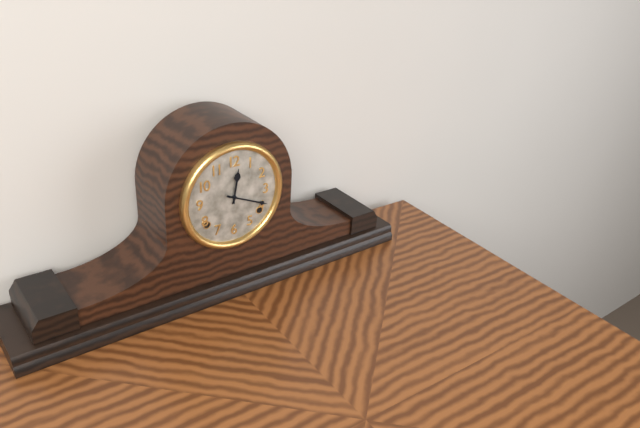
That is 12,19
